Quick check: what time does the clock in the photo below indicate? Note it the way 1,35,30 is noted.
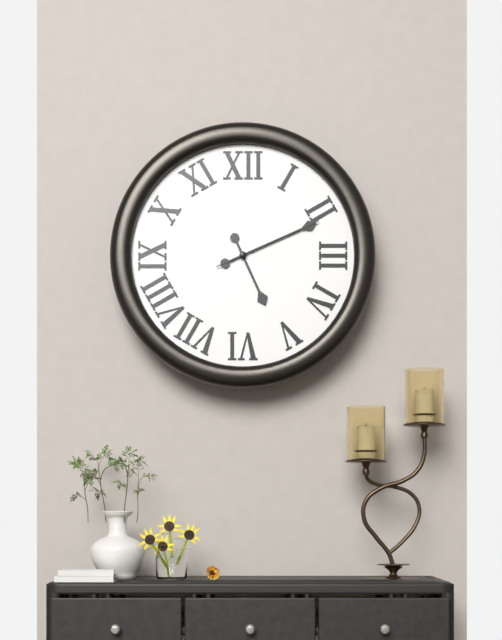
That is 5,11,11
